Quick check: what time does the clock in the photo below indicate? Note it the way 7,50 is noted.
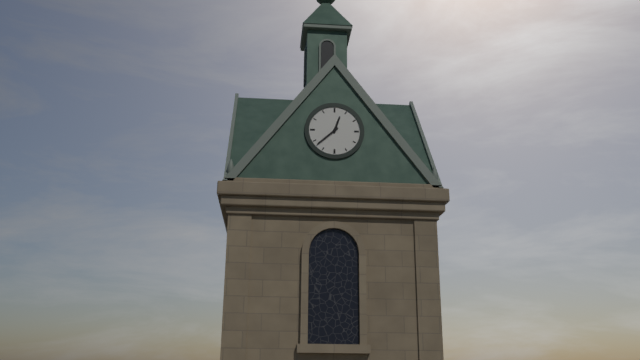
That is 12,38
